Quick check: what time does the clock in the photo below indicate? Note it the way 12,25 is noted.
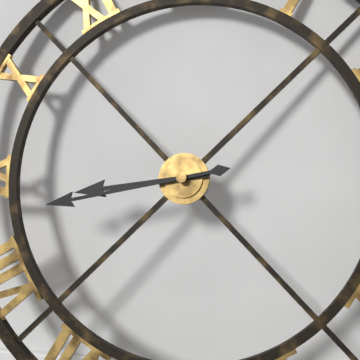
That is 8,43
